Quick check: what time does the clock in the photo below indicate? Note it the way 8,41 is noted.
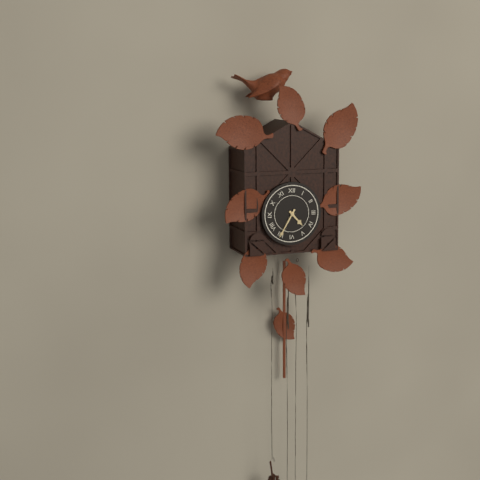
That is 4,35
